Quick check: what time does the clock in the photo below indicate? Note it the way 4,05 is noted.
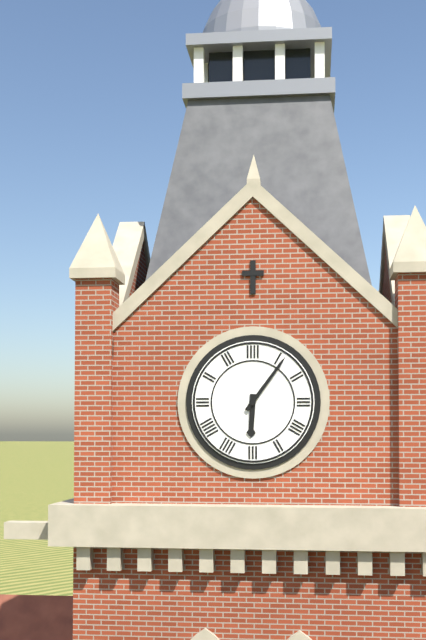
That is 6,06
